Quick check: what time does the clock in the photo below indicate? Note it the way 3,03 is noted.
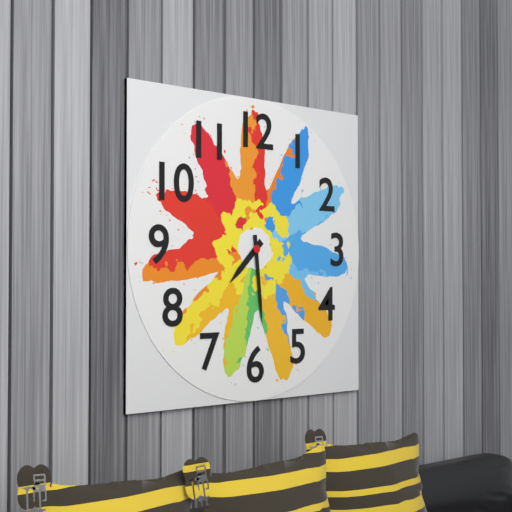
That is 7,29
